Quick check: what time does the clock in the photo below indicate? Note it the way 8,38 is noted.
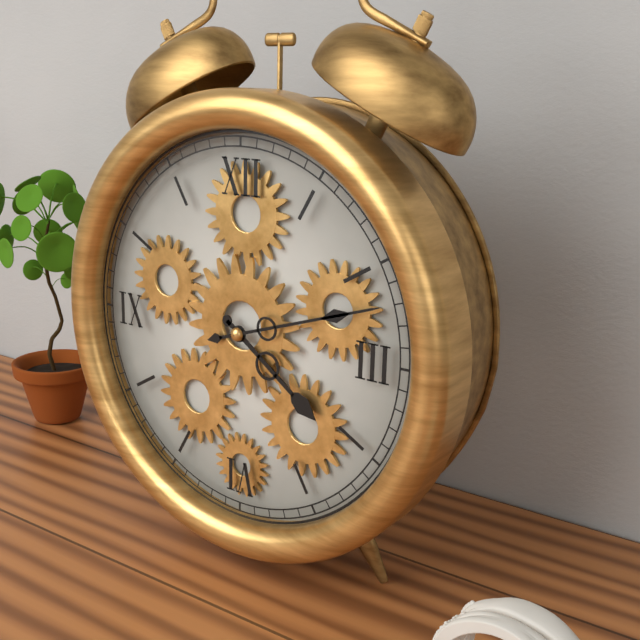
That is 4,12
